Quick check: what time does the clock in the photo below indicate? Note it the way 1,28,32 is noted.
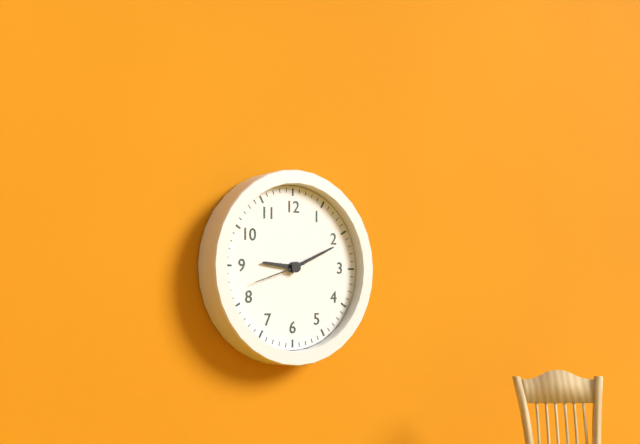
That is 9,11,42
